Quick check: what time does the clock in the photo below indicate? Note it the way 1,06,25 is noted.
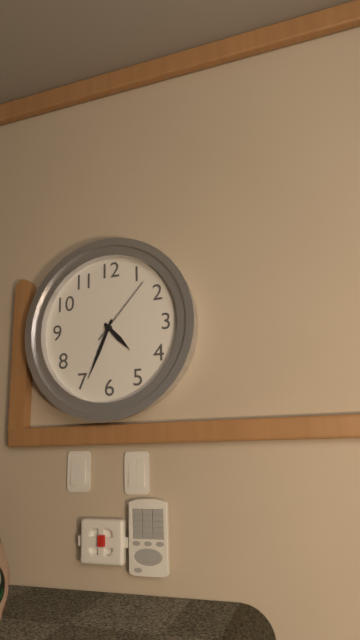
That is 4,34,07
